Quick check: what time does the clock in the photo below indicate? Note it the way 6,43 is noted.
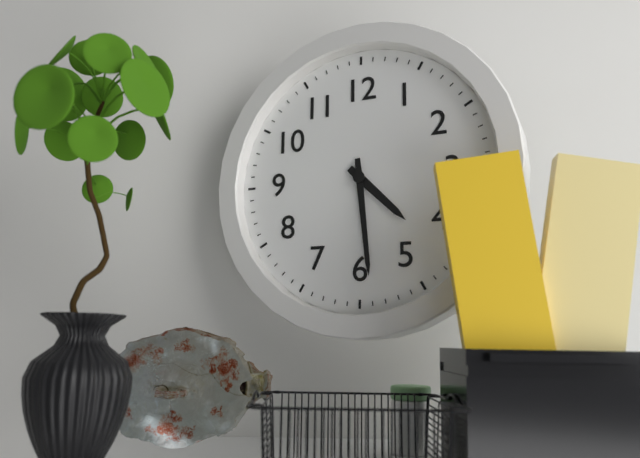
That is 4,29
